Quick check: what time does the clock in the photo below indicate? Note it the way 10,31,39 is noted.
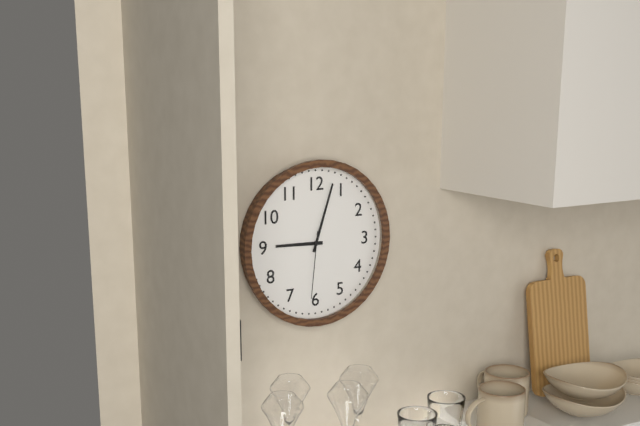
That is 9,03,31
